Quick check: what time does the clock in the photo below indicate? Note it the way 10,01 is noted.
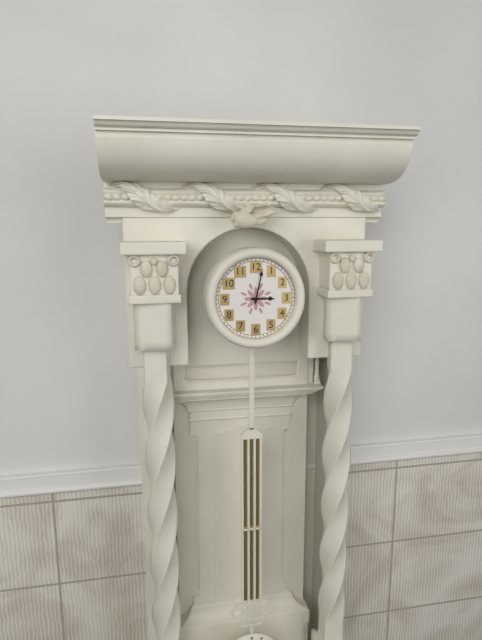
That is 3,02
